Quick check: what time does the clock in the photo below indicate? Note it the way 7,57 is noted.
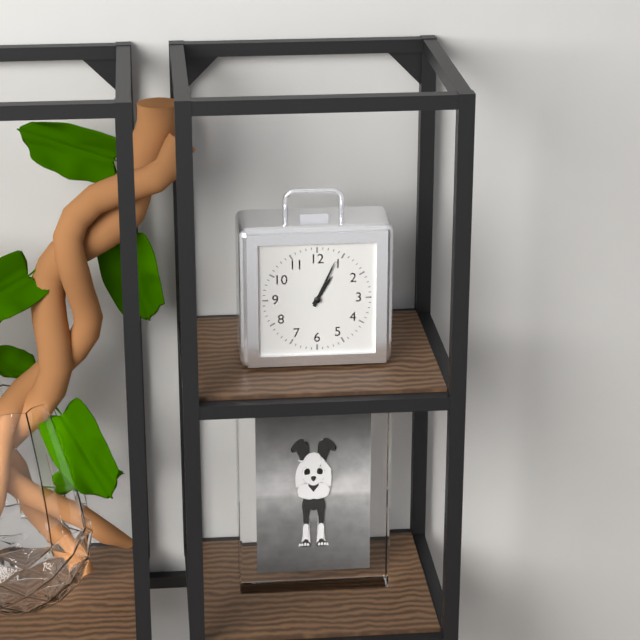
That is 1,04
